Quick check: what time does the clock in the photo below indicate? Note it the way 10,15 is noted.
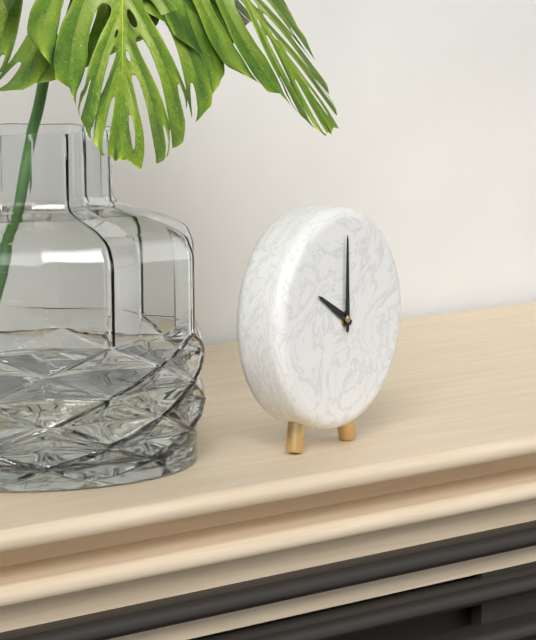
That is 10,00
